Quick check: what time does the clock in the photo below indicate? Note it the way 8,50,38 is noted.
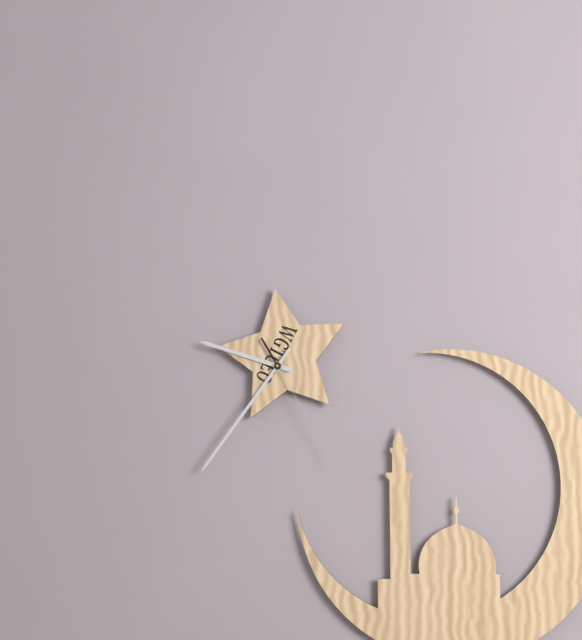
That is 9,36,25
